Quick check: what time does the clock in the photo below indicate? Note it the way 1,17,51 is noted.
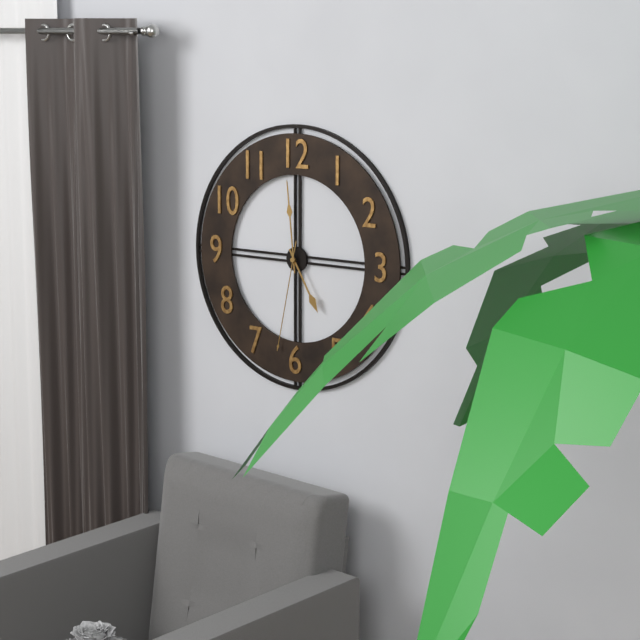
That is 4,59,32
